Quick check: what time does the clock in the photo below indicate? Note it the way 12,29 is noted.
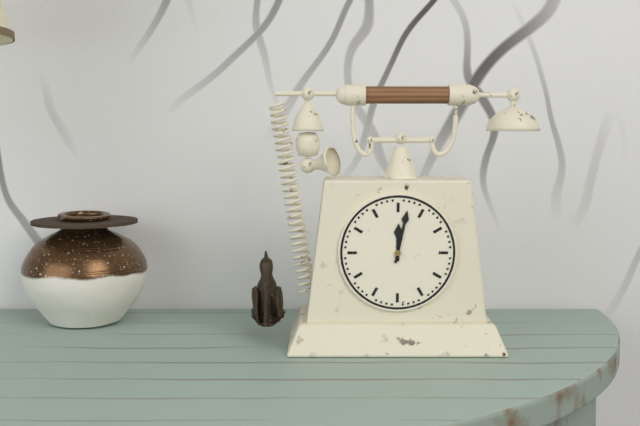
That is 12,02
